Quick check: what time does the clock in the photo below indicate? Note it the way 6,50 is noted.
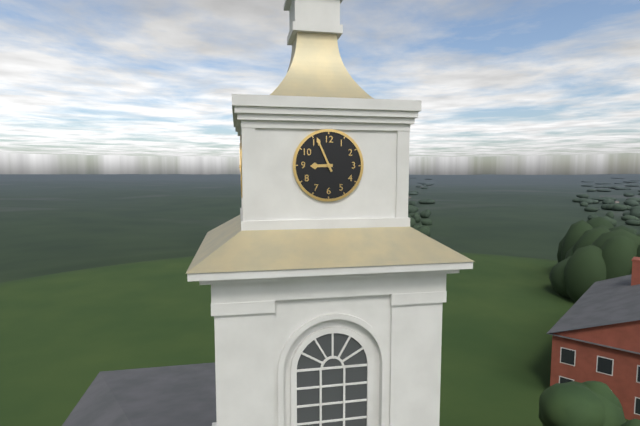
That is 8,56
